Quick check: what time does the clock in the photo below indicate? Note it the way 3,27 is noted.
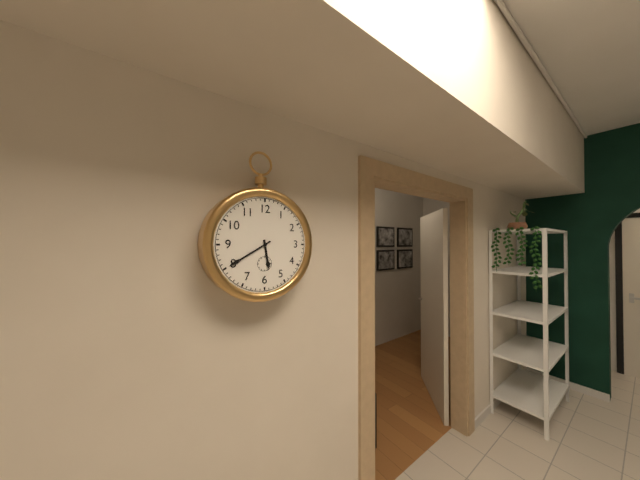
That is 5,40
